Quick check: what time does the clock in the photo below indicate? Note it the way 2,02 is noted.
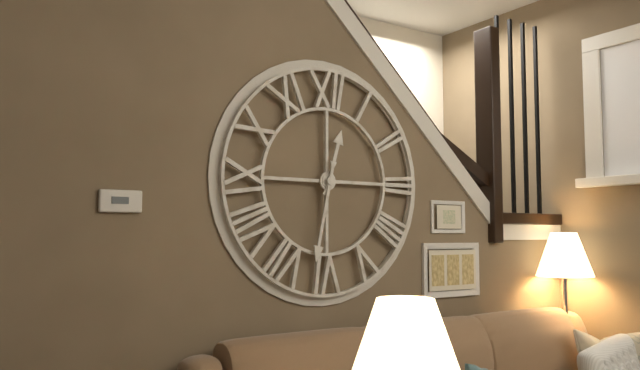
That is 12,32
